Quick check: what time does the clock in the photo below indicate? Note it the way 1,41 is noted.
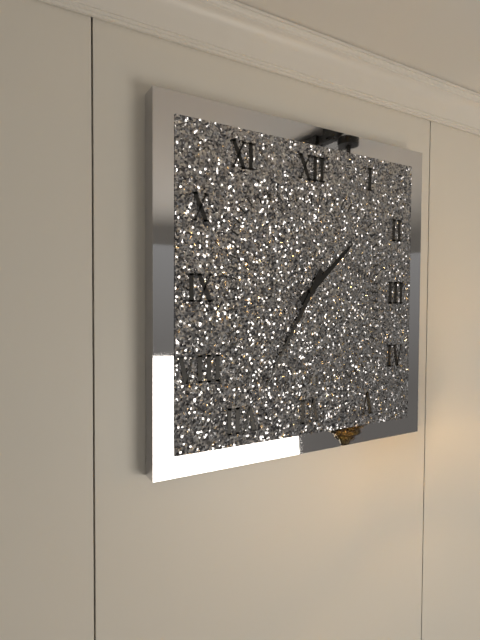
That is 1,35
